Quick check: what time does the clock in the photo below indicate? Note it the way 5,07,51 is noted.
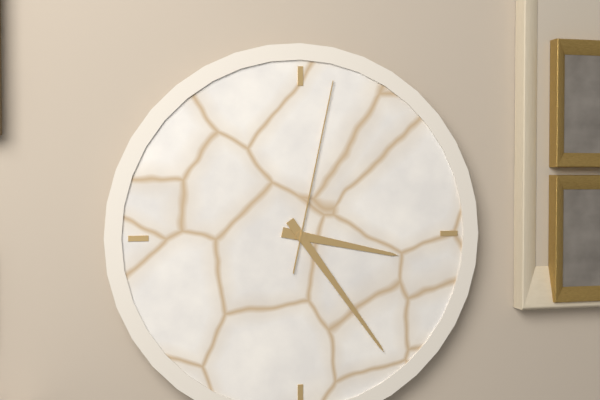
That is 3,24,02
